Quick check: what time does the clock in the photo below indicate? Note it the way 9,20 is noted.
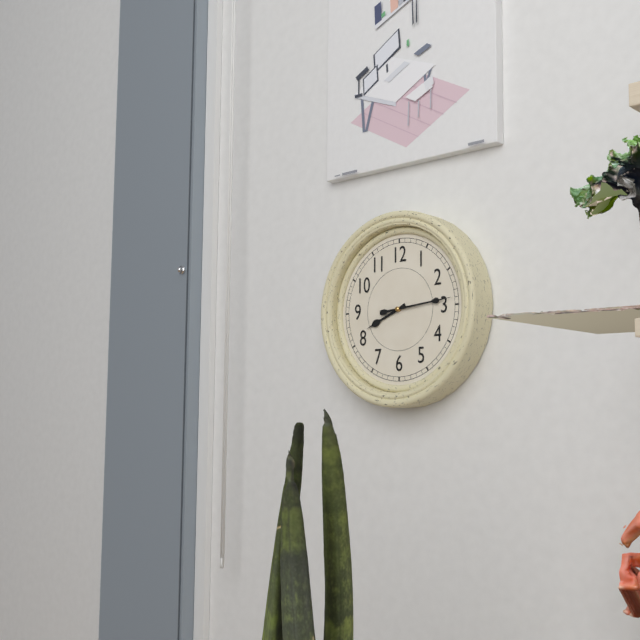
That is 8,14
